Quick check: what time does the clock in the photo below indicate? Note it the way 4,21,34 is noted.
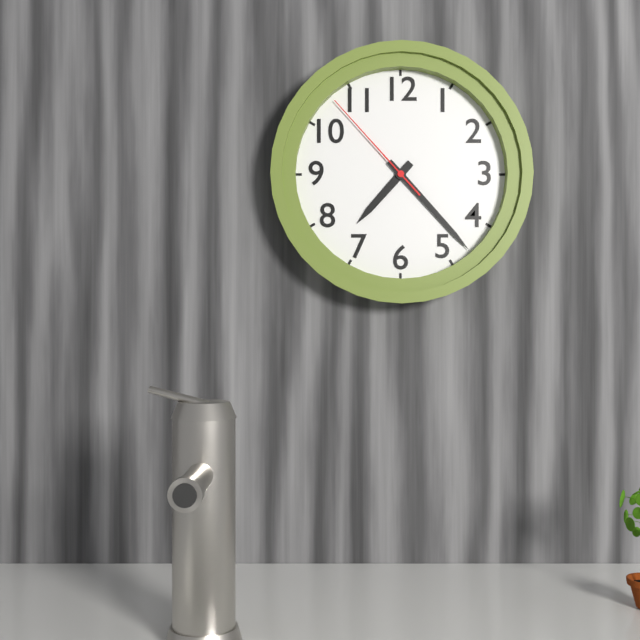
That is 7,23,53
